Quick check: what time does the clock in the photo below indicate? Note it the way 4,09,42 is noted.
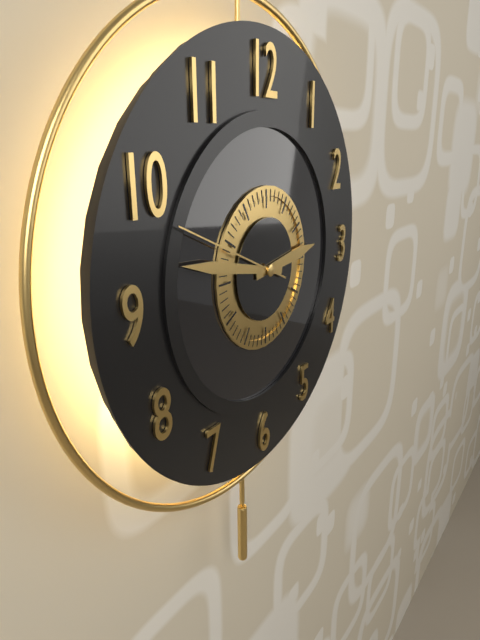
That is 2,47,49
